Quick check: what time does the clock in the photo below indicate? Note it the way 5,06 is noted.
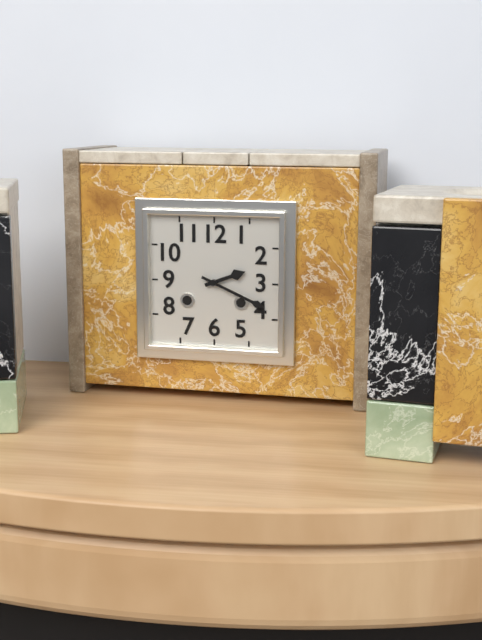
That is 2,19
